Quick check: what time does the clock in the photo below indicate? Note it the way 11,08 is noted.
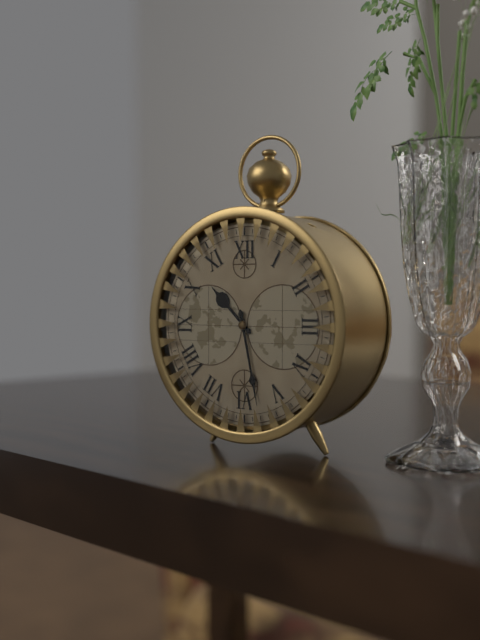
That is 10,28
